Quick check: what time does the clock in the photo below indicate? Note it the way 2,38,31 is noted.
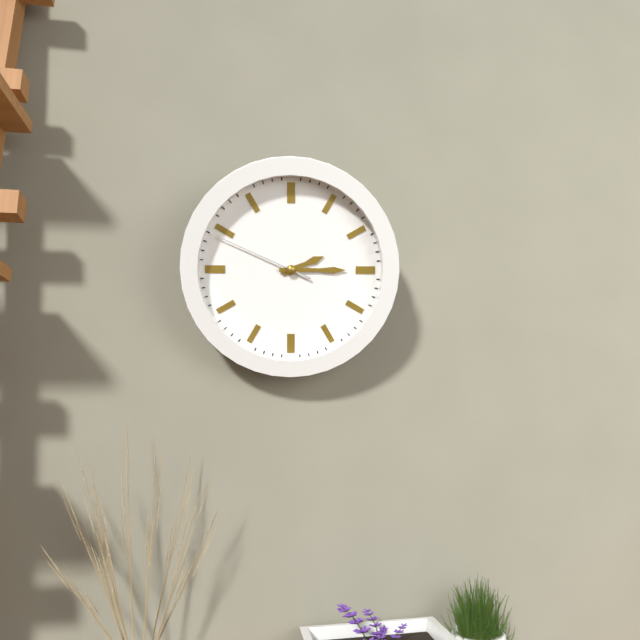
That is 2,15,49
